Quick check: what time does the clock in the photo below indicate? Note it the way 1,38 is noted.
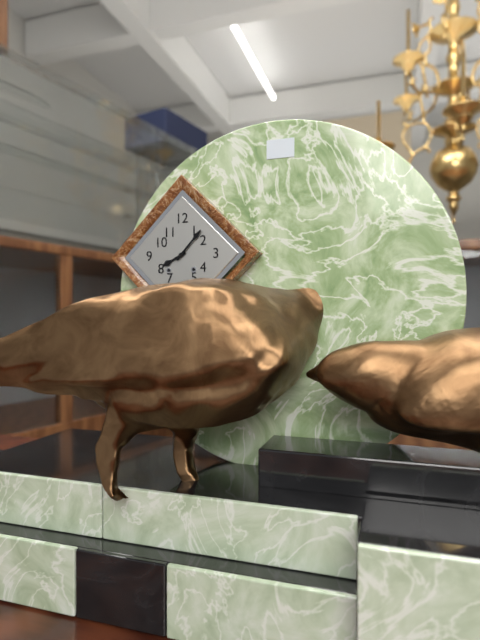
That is 8,07
